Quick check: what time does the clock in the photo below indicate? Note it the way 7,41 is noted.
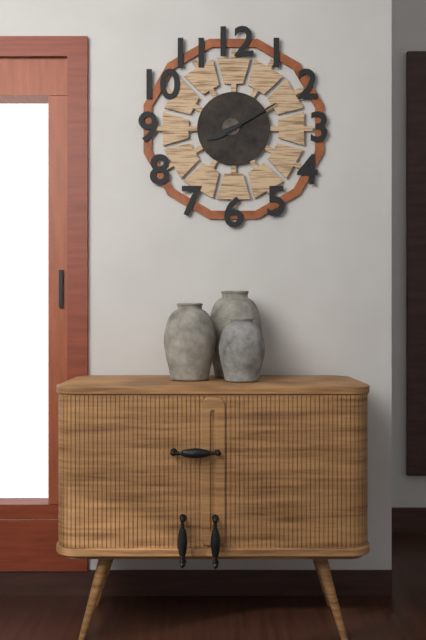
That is 8,10
